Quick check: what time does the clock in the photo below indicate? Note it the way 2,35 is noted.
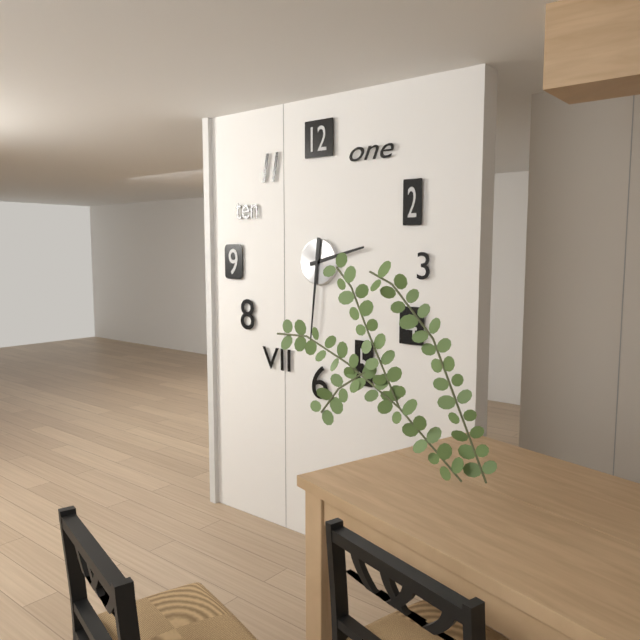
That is 2,31
